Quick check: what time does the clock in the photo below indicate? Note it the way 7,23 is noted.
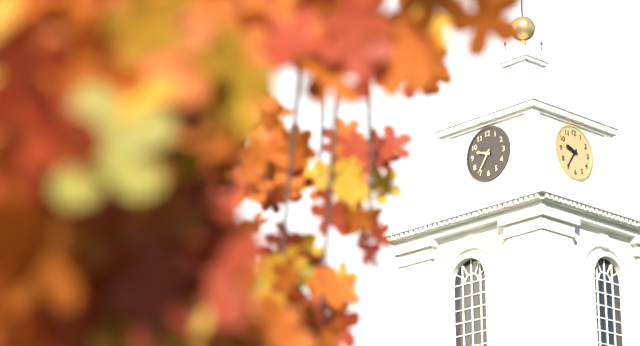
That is 9,36
